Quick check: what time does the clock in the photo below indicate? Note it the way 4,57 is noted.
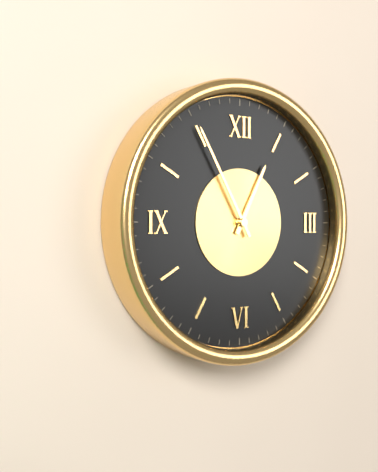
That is 12,55
